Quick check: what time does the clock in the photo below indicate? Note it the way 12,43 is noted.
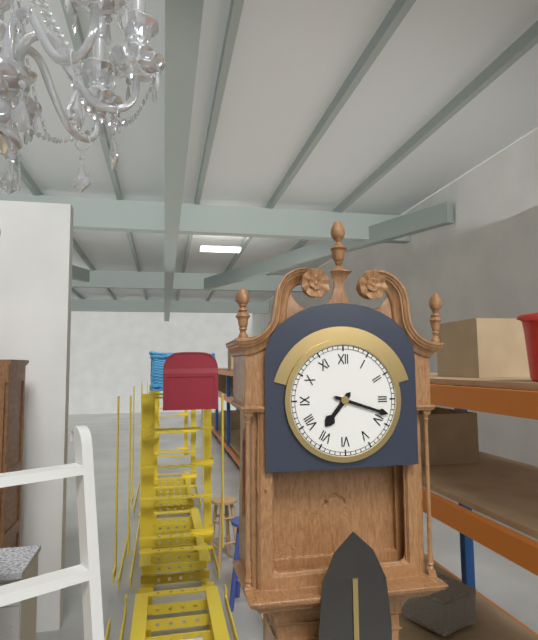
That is 7,18
